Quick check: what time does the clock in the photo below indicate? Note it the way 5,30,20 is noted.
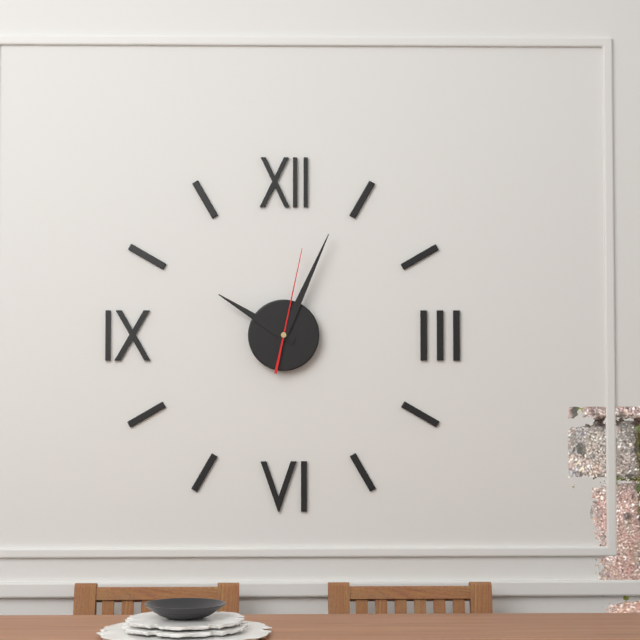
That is 10,04,02
